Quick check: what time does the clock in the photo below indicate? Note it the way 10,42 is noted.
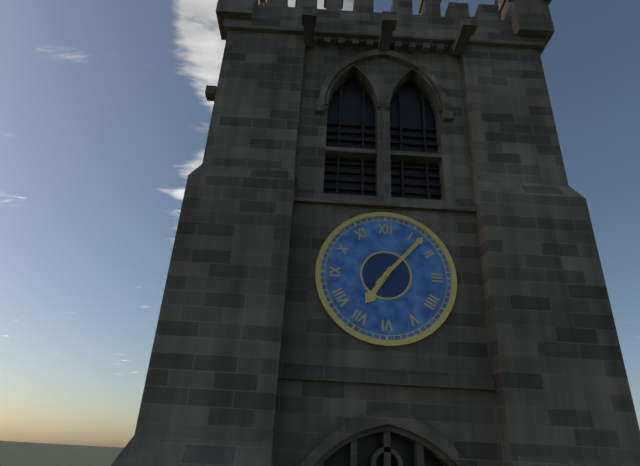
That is 7,07
